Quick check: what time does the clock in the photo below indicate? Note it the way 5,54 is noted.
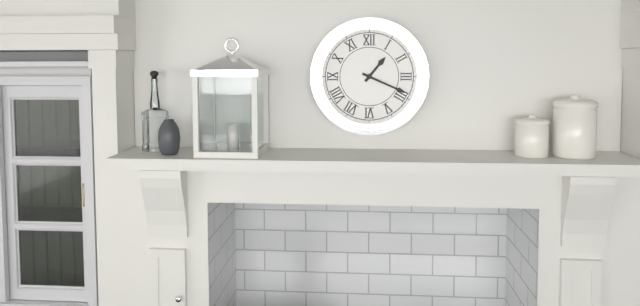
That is 1,19
